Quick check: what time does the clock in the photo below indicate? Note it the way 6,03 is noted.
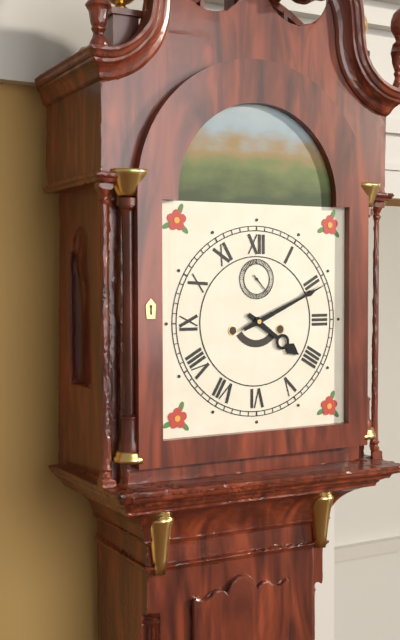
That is 4,11
